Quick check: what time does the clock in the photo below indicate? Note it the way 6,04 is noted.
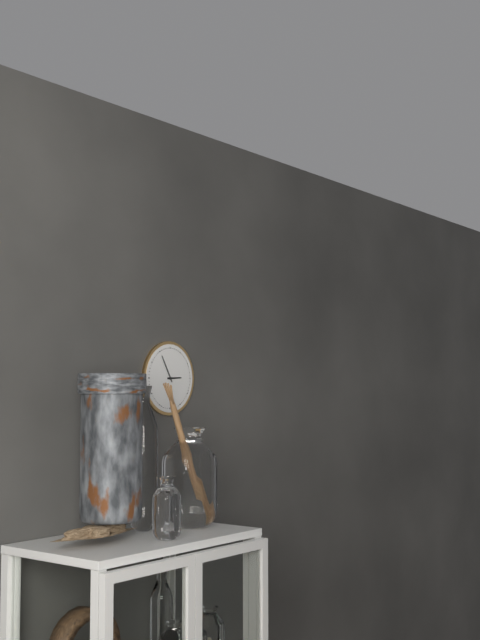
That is 2,55
